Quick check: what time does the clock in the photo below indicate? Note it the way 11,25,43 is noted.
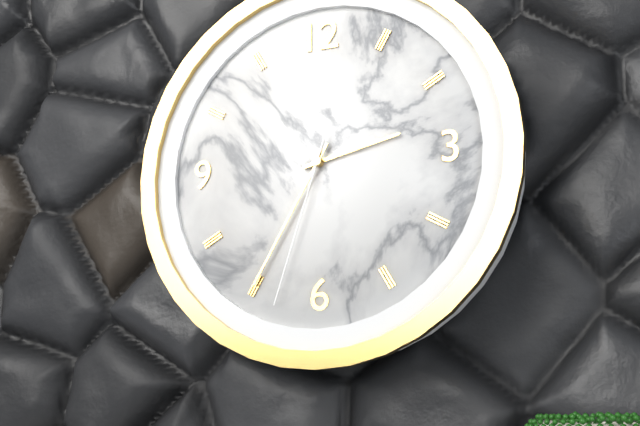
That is 2,35,33
